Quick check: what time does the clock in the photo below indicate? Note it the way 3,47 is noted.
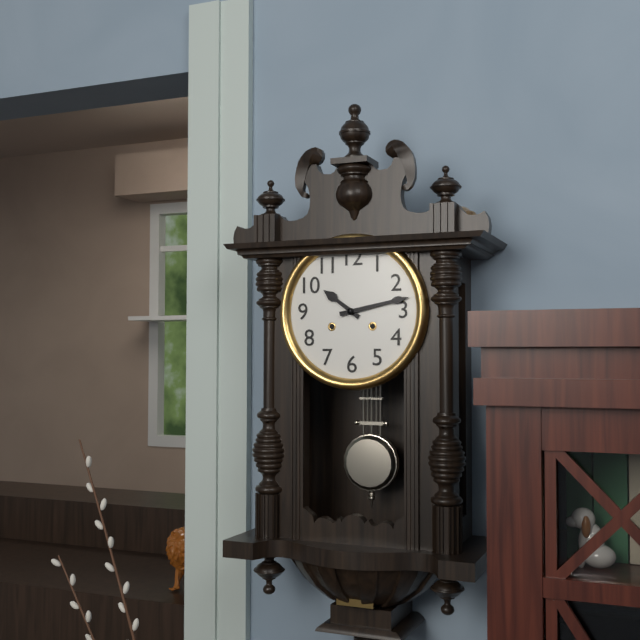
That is 10,13
